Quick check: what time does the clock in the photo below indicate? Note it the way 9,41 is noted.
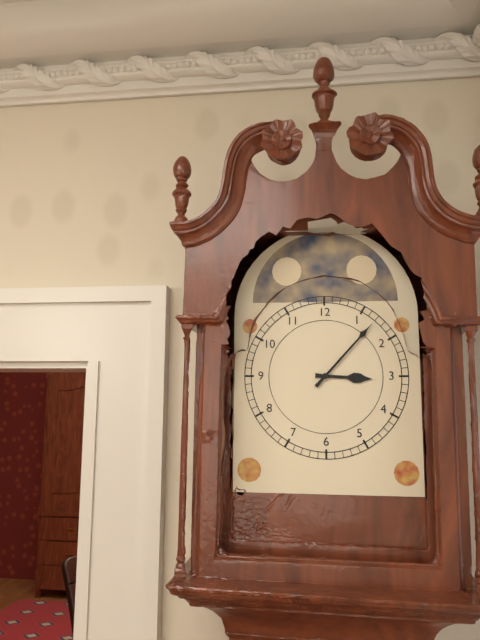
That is 3,07
